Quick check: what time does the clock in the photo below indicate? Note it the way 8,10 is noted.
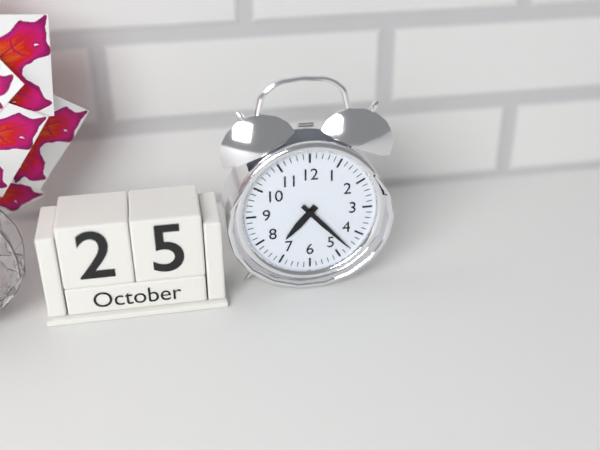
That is 7,23
